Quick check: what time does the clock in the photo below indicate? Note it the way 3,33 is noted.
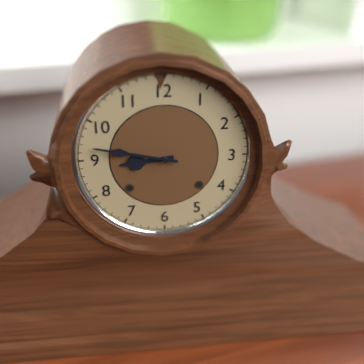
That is 8,47
